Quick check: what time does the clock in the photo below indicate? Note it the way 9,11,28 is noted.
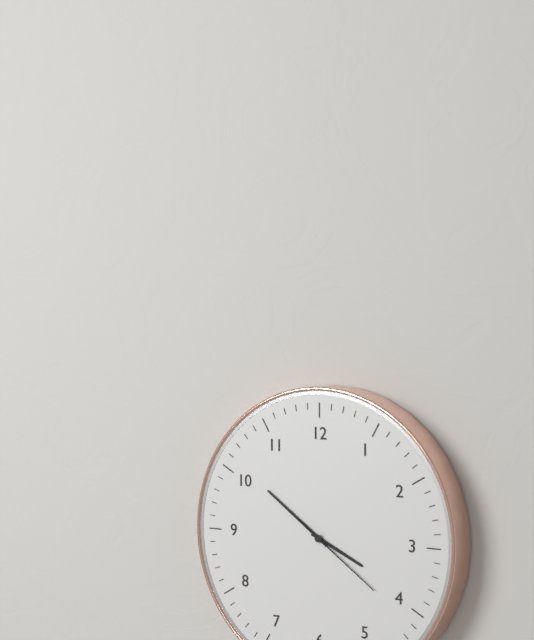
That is 3,51,21
